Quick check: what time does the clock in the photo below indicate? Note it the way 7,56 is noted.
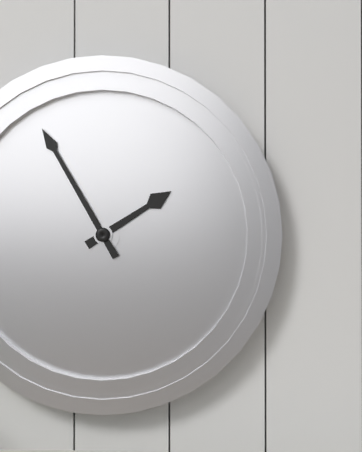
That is 1,55
